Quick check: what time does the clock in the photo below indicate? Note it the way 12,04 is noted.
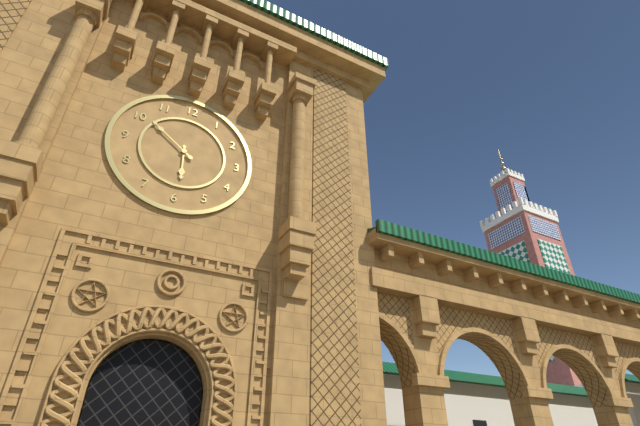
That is 5,51
